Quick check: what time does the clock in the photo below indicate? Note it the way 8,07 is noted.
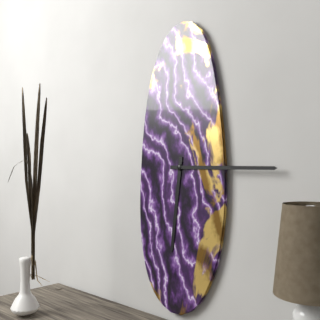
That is 6,15
